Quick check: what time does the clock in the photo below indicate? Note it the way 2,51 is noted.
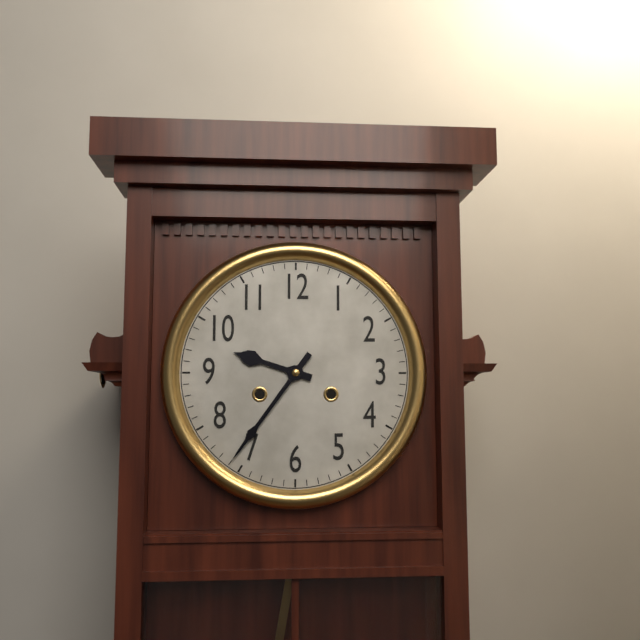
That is 9,36
